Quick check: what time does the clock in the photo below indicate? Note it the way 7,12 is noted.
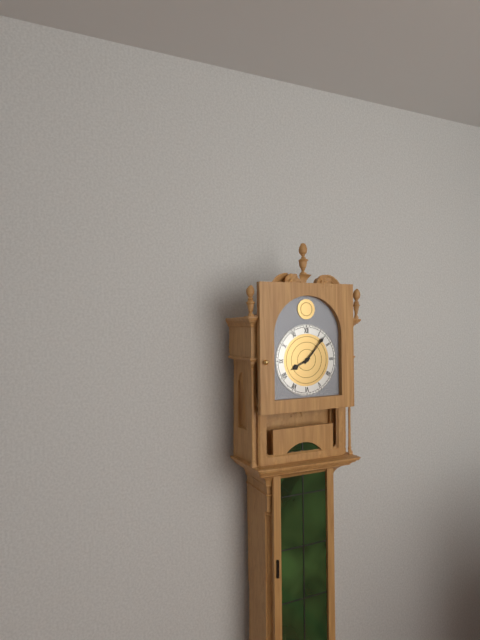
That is 8,07
